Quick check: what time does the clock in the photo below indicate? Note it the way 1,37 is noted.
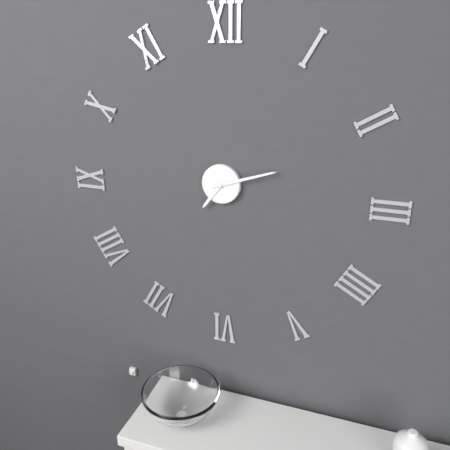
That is 7,12
